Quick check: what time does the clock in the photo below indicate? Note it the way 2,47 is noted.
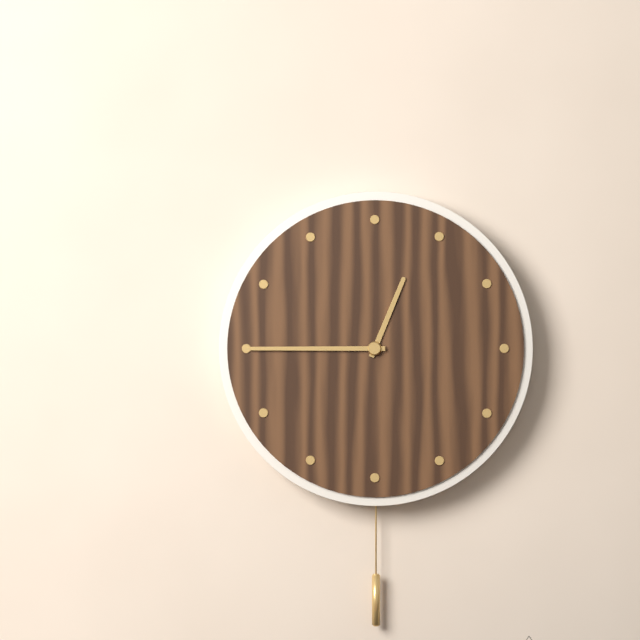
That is 12,45
